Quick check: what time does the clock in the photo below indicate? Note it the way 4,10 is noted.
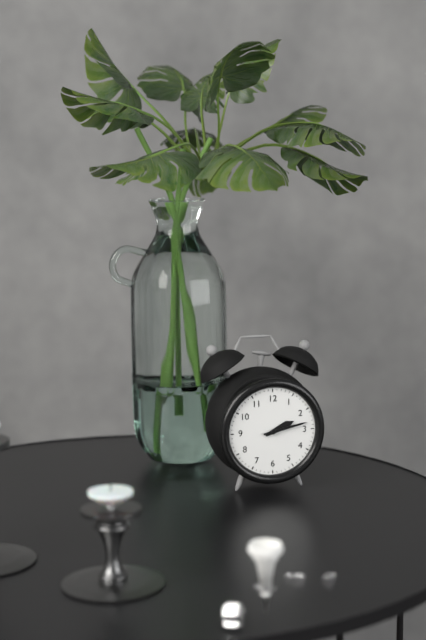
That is 2,13
